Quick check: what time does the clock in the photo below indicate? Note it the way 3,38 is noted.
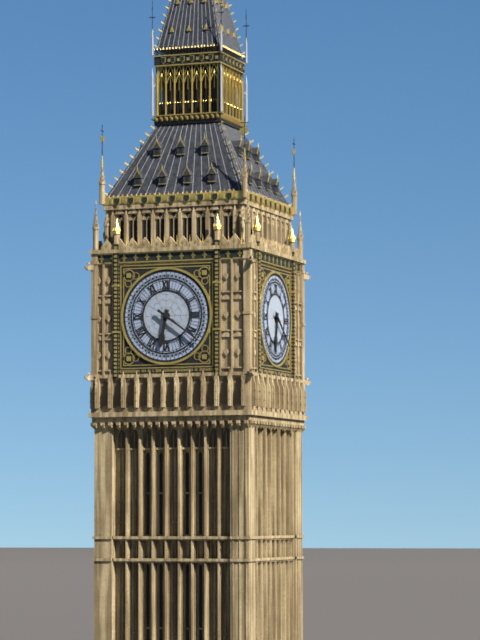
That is 6,21
